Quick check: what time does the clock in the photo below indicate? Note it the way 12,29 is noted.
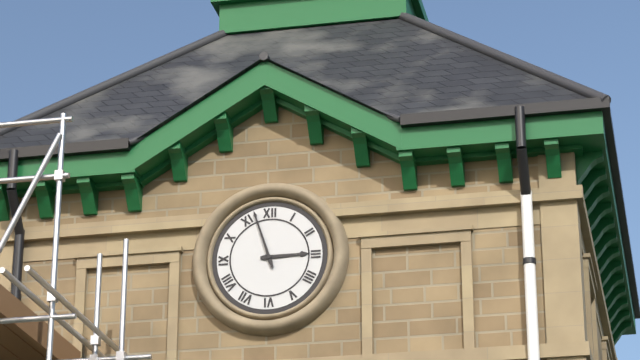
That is 2,57
